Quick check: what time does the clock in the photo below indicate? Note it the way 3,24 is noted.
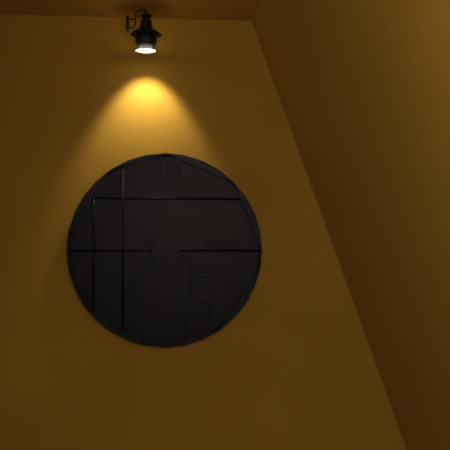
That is 7,19
